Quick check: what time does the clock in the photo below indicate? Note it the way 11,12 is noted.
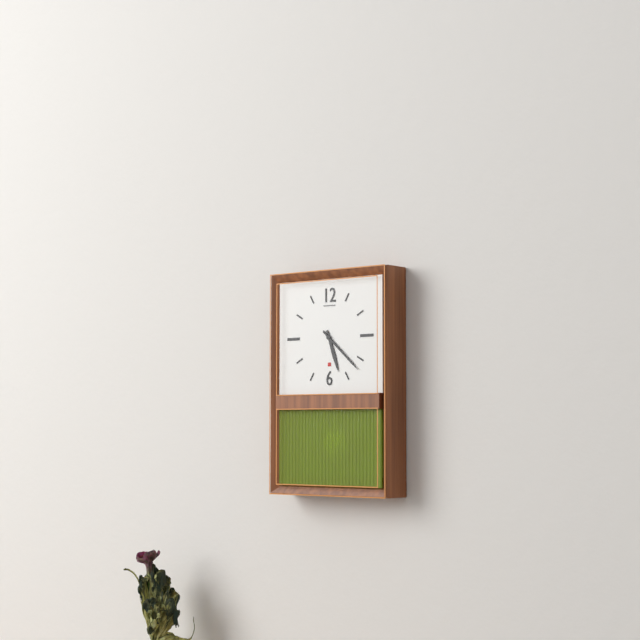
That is 5,22
